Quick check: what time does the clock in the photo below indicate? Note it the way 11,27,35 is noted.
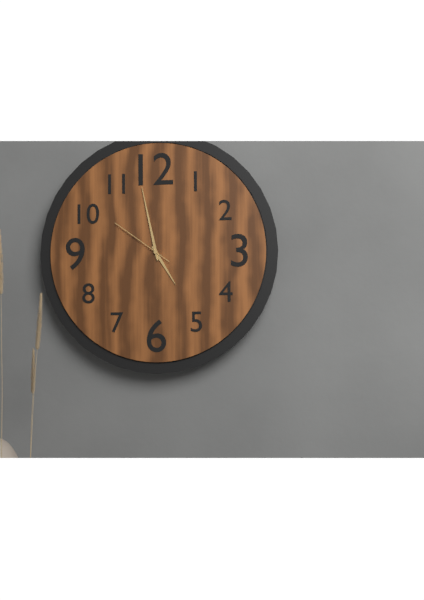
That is 4,58,51
